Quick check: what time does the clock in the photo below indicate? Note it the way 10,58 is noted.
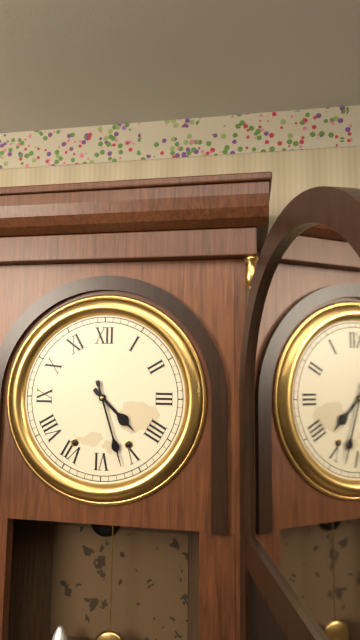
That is 4,27
